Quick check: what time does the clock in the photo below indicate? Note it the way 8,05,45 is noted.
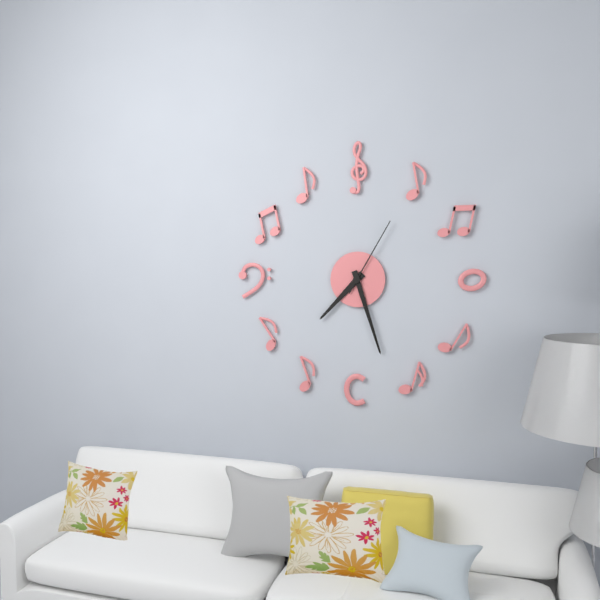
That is 7,27,05
